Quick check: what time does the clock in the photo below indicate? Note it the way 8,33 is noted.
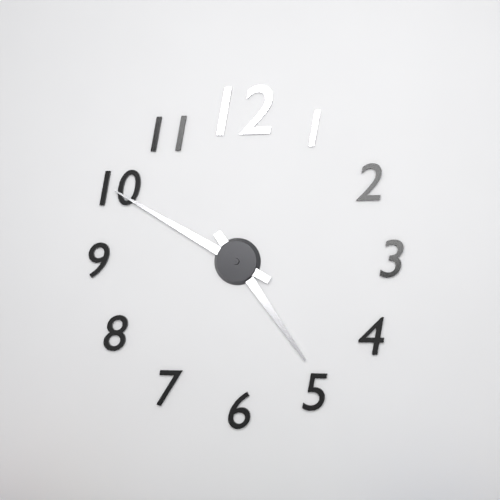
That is 4,50
